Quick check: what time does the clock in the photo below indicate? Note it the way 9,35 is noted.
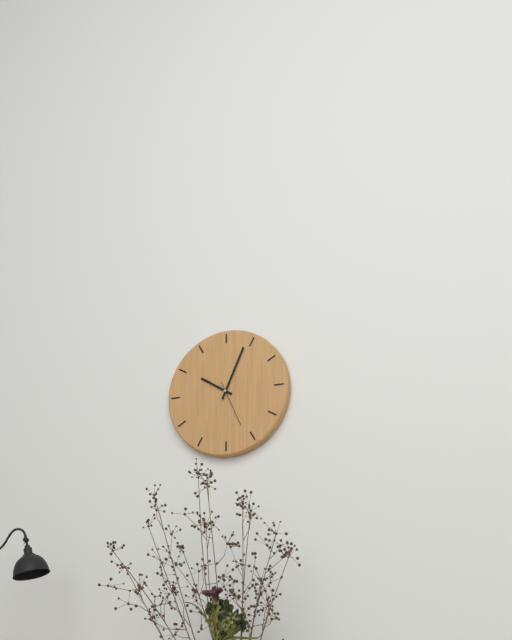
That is 10,04
